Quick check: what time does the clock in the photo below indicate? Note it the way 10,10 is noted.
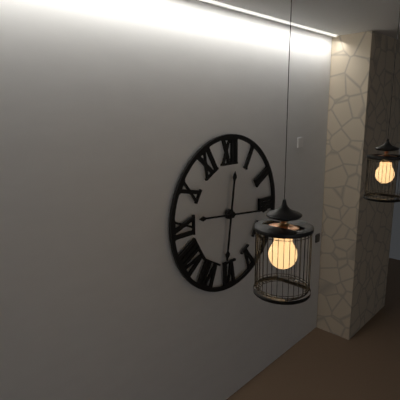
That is 6,16
